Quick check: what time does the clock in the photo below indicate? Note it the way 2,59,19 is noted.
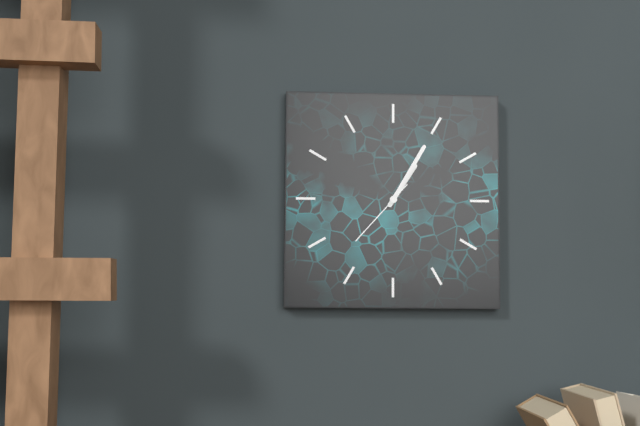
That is 1,05,37
